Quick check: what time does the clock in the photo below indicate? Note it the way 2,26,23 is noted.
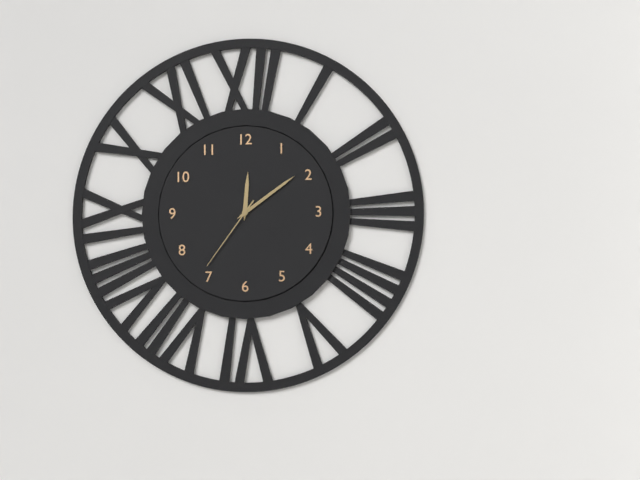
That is 12,09,36
